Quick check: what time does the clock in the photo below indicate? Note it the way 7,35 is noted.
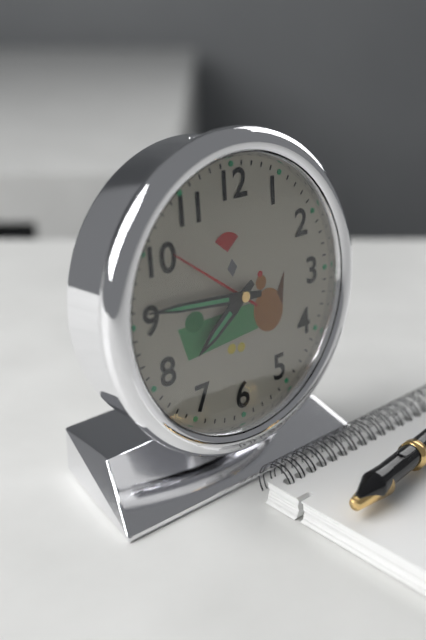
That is 7,46
